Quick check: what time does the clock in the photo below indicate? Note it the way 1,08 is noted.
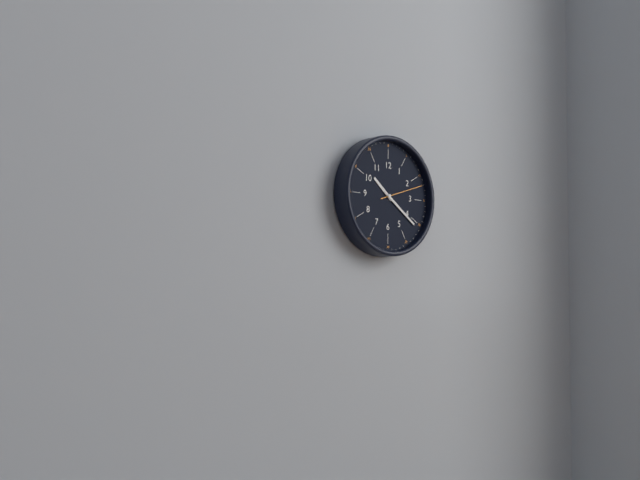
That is 10,21
